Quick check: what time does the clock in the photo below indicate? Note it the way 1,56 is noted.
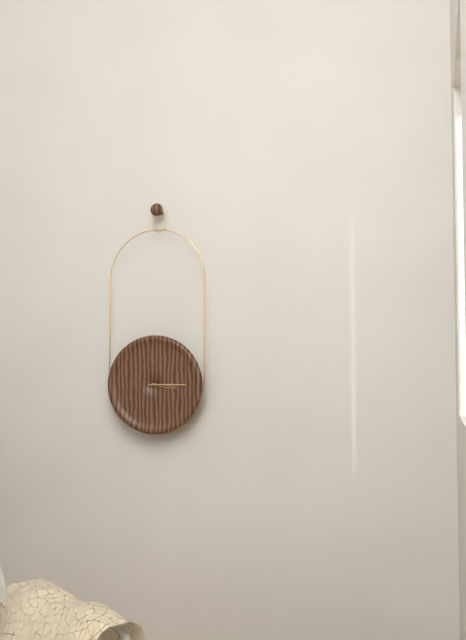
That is 3,15
